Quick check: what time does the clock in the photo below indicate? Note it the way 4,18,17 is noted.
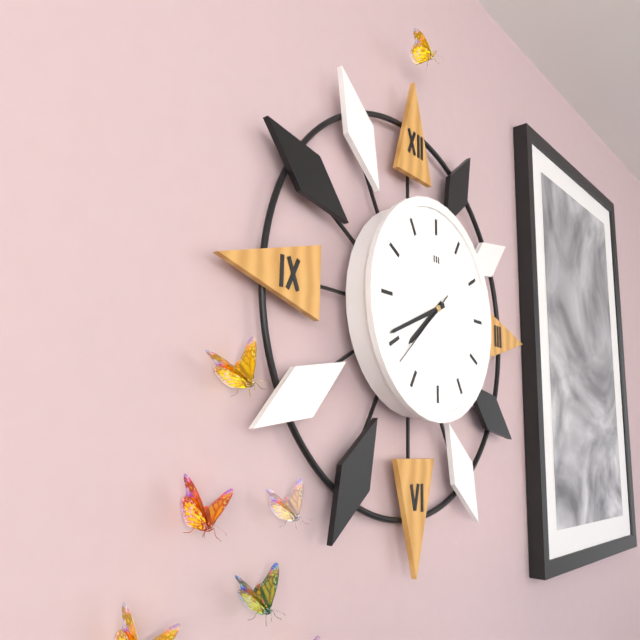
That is 7,41,38
